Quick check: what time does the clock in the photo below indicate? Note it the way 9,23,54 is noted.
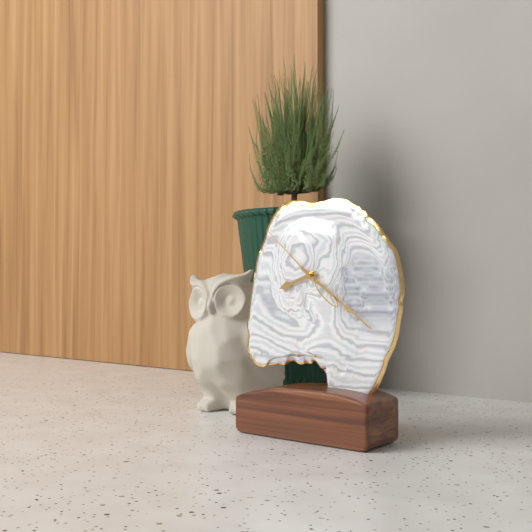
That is 8,21,52
